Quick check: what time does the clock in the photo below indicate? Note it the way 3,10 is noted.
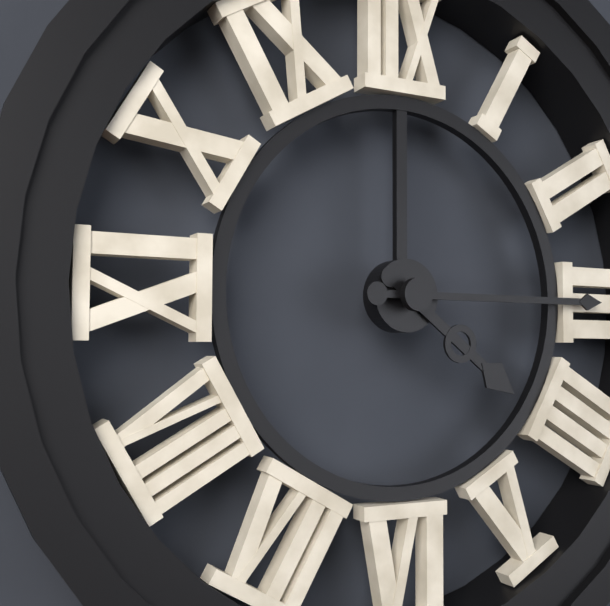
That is 4,15
